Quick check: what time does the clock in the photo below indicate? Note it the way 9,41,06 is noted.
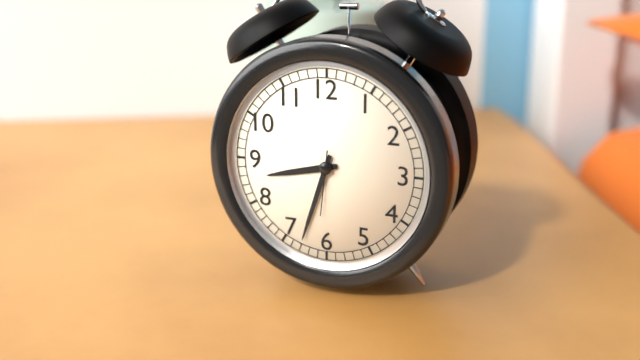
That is 8,33,31
